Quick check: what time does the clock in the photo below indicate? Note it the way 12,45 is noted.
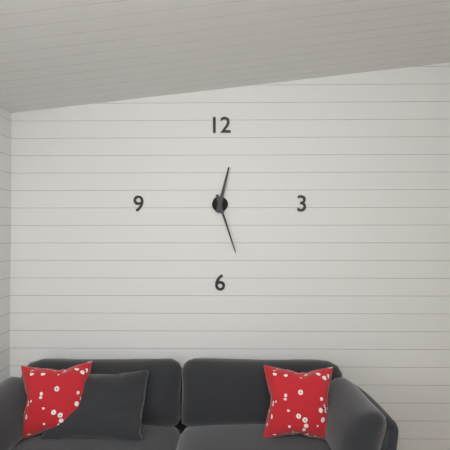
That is 12,27
